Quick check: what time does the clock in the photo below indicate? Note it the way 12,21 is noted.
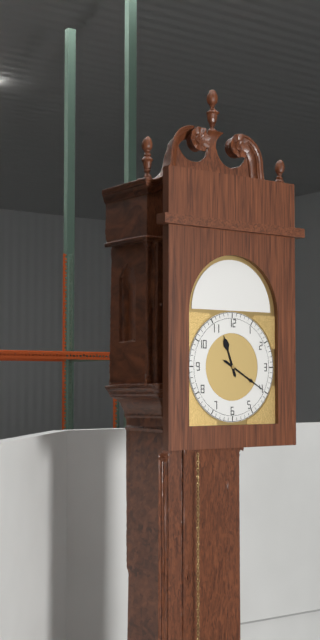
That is 11,20
